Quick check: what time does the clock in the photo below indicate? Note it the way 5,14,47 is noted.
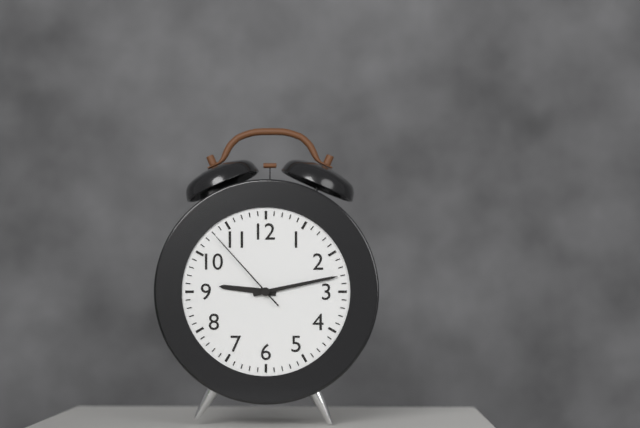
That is 9,13,53
